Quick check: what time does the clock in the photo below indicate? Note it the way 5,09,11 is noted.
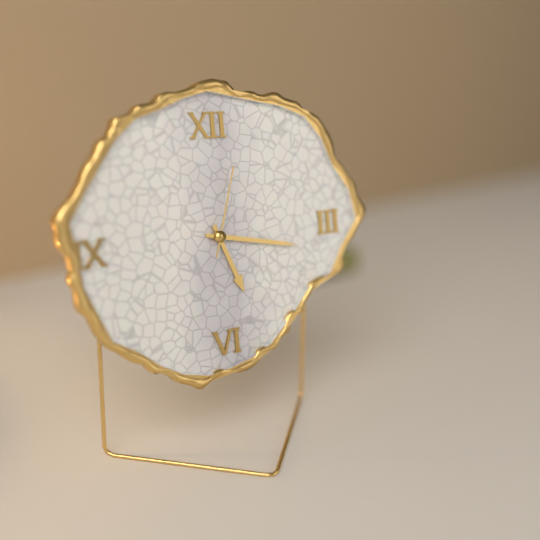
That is 5,17,03
